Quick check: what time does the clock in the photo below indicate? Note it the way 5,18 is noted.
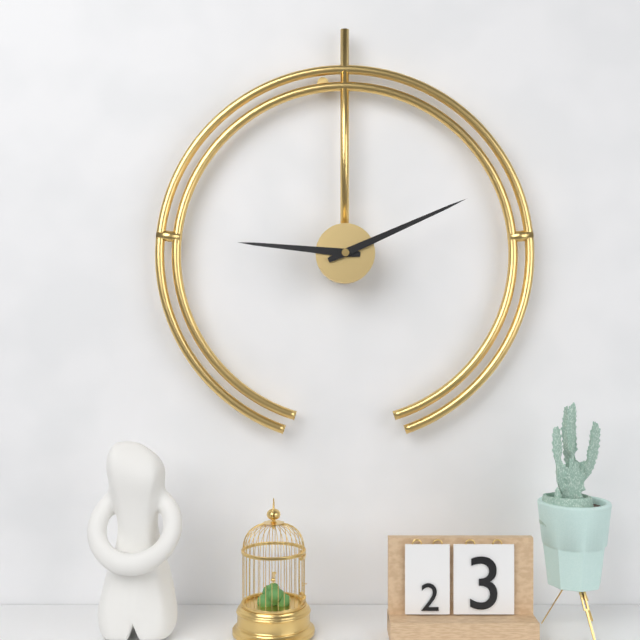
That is 9,11
